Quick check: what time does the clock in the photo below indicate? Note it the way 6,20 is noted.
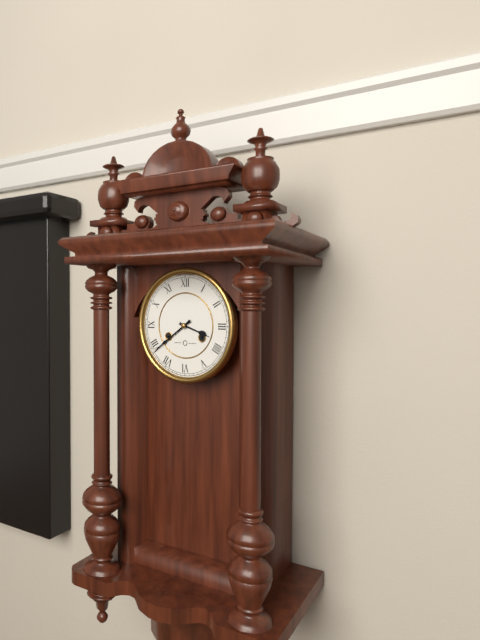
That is 3,39
